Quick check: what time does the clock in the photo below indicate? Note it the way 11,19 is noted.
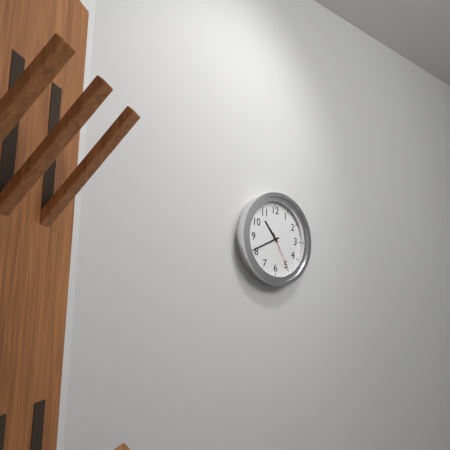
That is 10,41
